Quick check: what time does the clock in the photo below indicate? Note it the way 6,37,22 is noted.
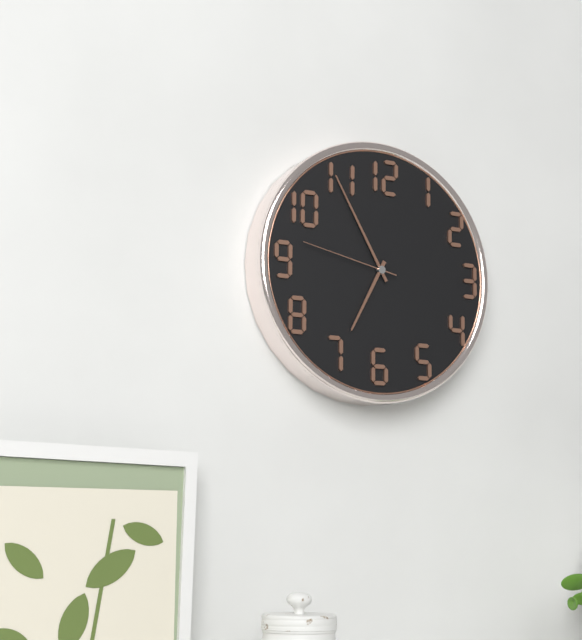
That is 6,55,47
